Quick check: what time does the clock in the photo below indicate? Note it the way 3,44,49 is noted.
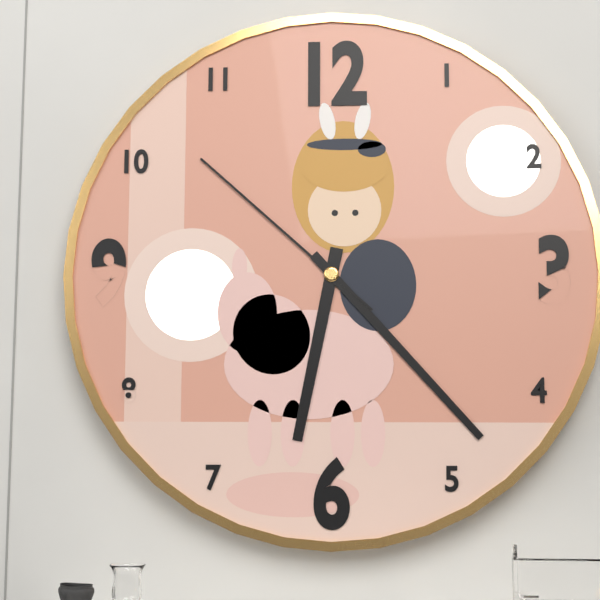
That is 6,23,52
